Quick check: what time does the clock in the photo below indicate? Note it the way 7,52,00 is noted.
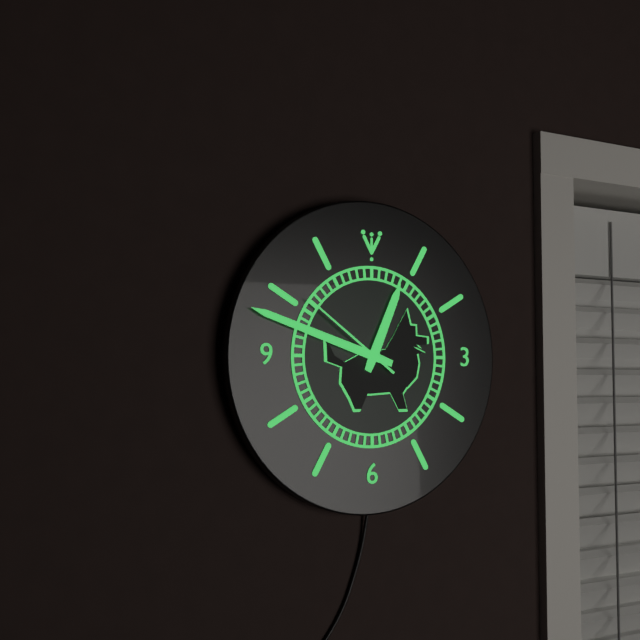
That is 12,48,51
